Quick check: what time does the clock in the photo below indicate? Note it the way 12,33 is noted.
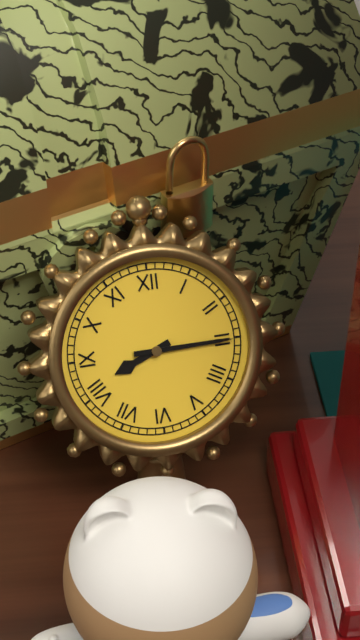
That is 8,15
